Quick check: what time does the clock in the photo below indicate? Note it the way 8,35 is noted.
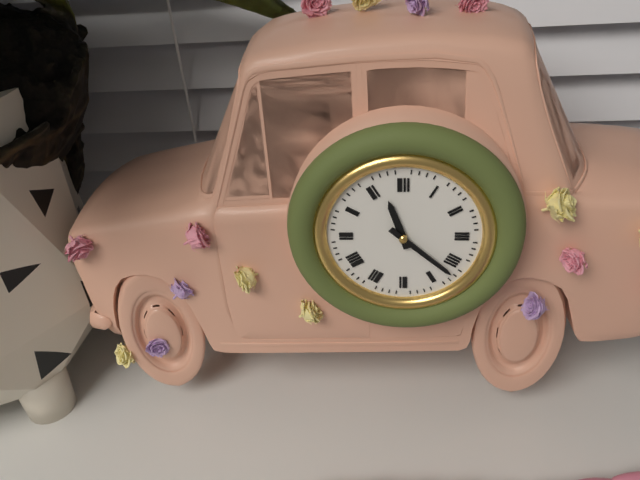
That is 11,22
